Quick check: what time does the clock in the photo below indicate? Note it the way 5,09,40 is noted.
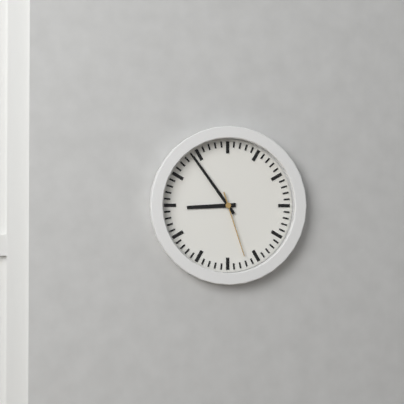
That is 8,54,27
